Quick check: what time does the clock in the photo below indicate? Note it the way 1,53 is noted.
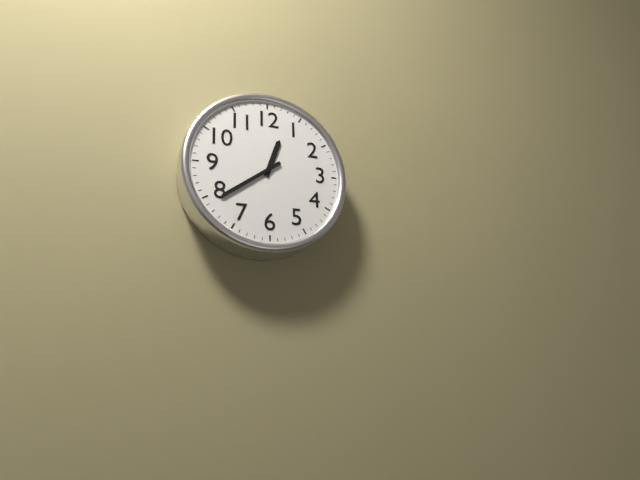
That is 12,39
